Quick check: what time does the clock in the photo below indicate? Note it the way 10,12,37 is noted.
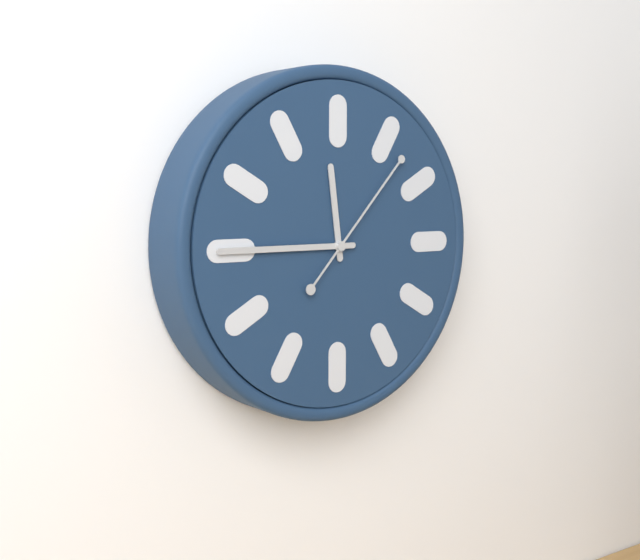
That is 11,45,07
